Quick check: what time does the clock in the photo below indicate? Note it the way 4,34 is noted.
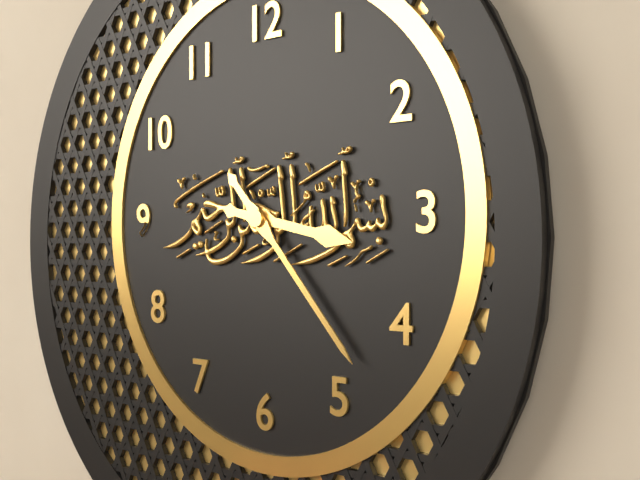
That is 3,23
